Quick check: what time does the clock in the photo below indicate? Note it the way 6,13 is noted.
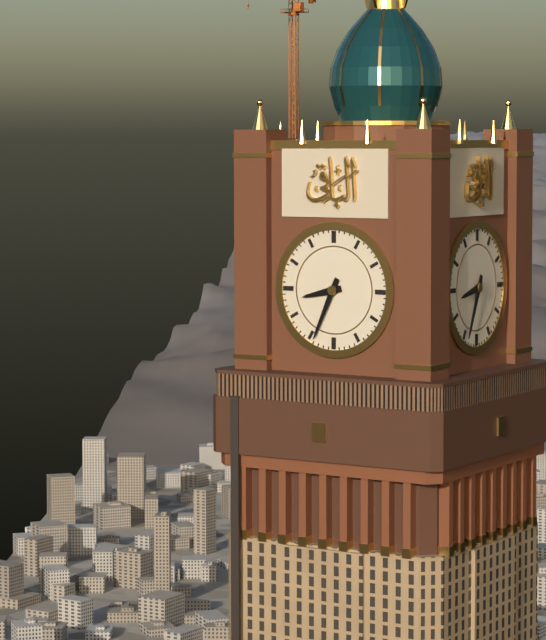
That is 8,34
